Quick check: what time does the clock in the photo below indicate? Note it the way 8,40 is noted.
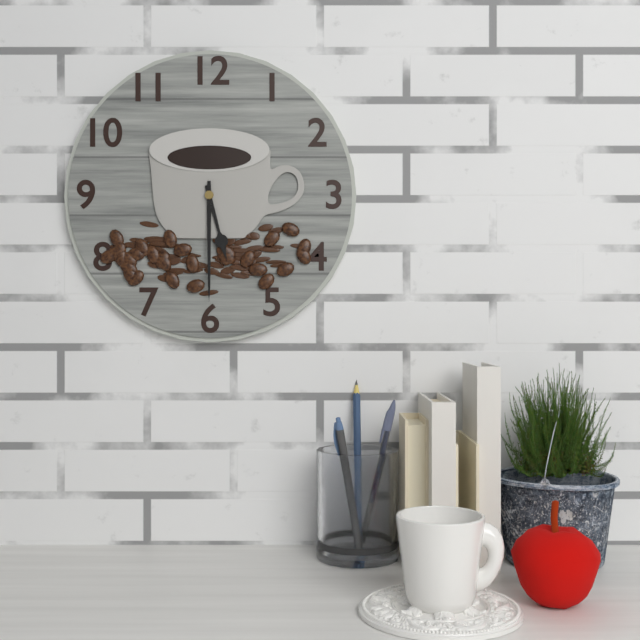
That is 5,30
